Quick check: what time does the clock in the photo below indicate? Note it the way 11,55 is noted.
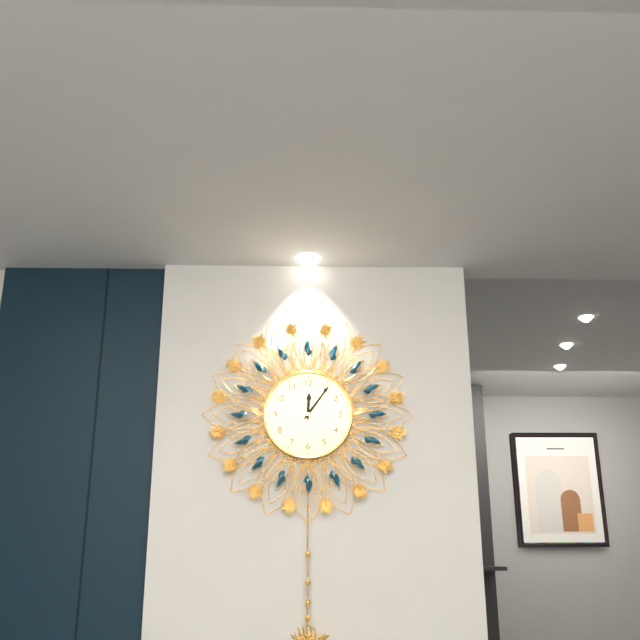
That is 12,06
